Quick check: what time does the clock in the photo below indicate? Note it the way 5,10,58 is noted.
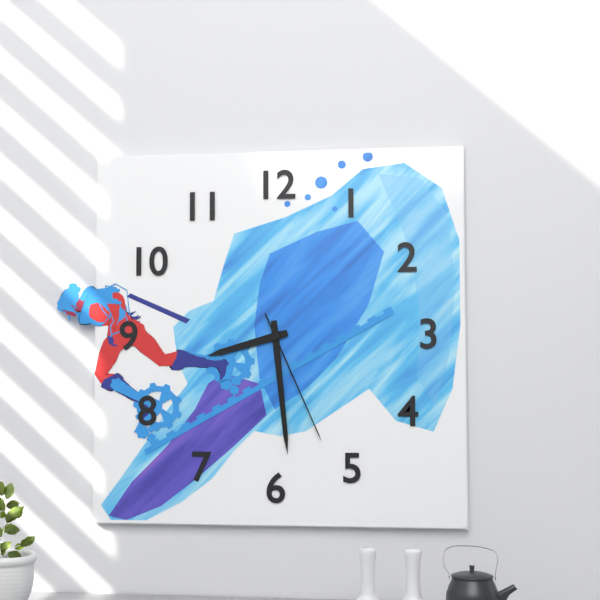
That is 8,29,26
